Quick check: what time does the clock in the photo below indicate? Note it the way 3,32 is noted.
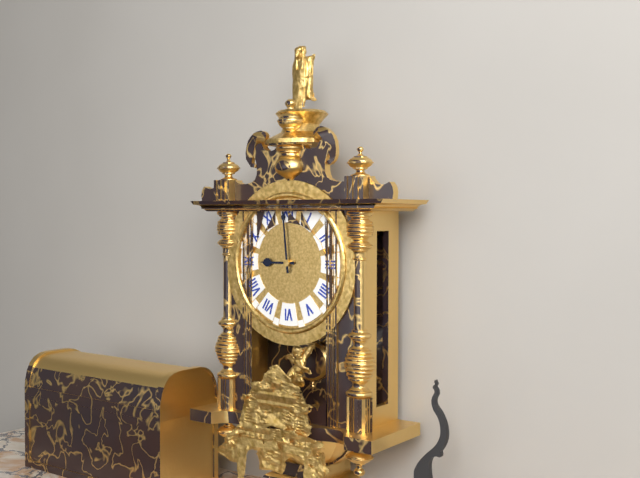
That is 8,59
